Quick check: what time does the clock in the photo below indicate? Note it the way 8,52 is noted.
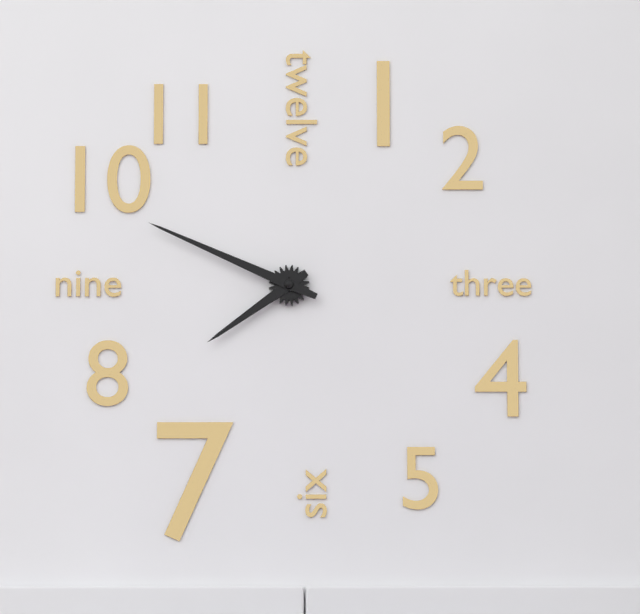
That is 7,49
